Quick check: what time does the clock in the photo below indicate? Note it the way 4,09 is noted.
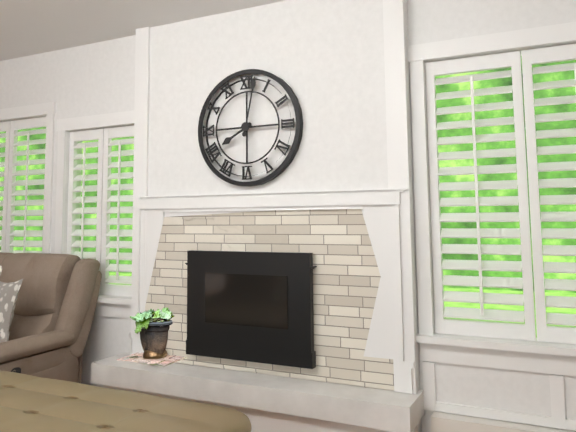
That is 8,02
